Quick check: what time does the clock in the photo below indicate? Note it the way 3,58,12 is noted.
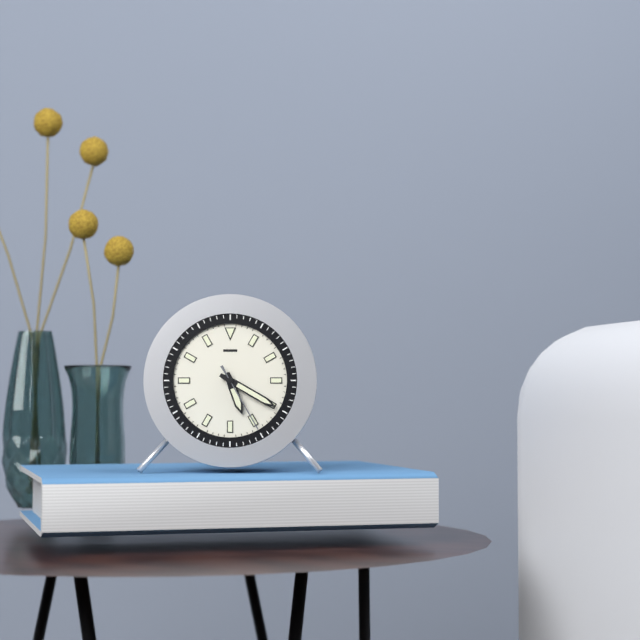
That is 5,20,25
